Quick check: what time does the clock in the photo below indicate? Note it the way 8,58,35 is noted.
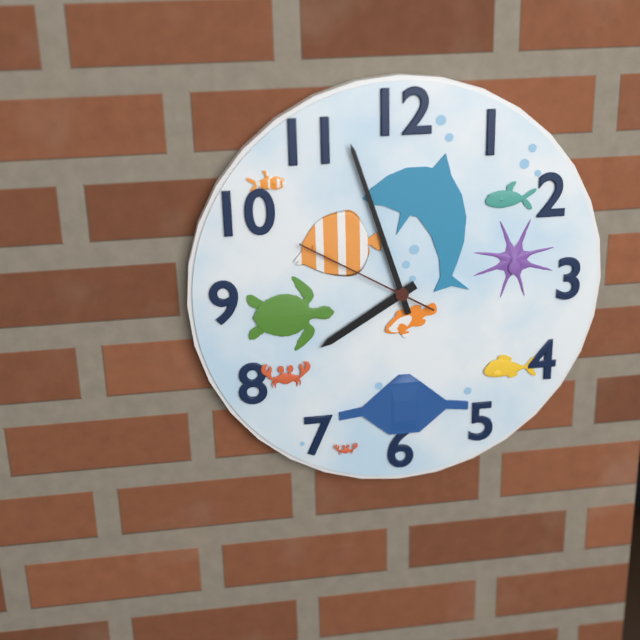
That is 7,57,50
